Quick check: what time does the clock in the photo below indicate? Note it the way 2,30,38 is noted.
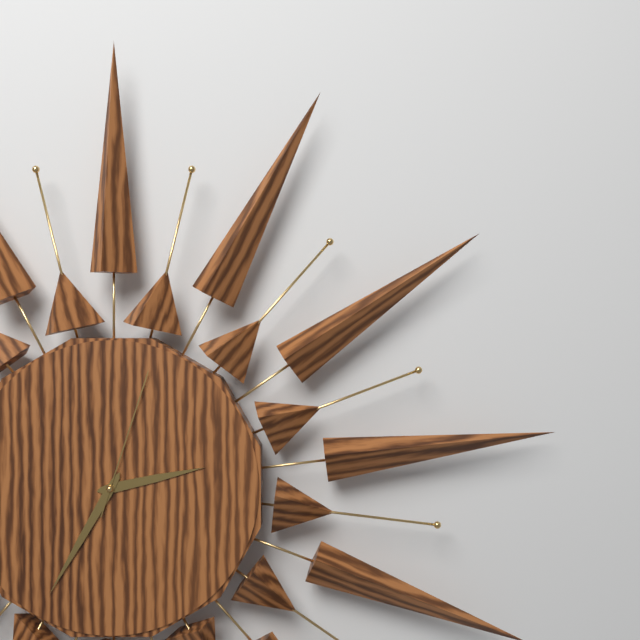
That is 2,35,03
